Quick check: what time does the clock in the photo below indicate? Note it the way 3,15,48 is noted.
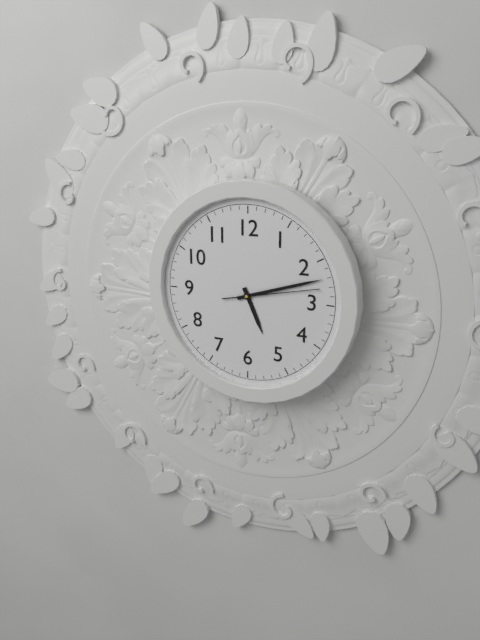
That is 5,12,13
